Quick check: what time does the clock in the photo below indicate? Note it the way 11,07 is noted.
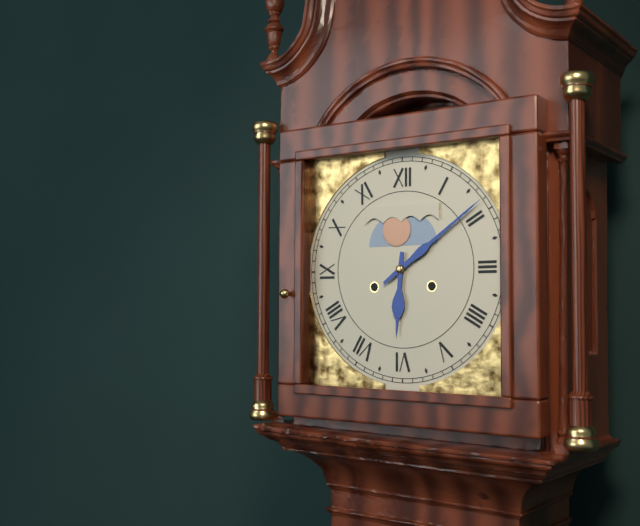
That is 6,09
